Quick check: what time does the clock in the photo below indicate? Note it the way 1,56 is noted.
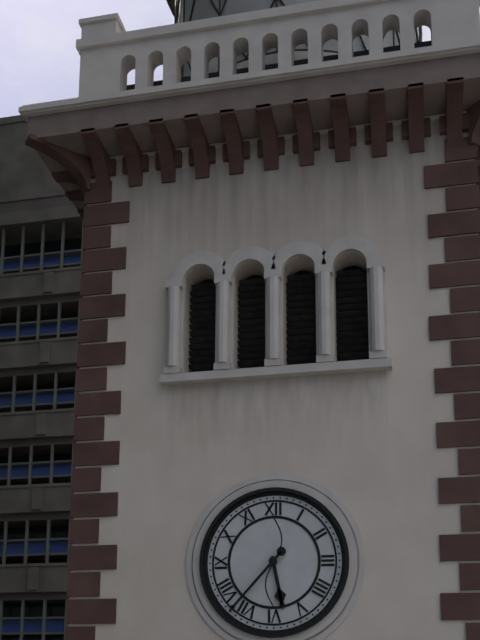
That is 5,37
